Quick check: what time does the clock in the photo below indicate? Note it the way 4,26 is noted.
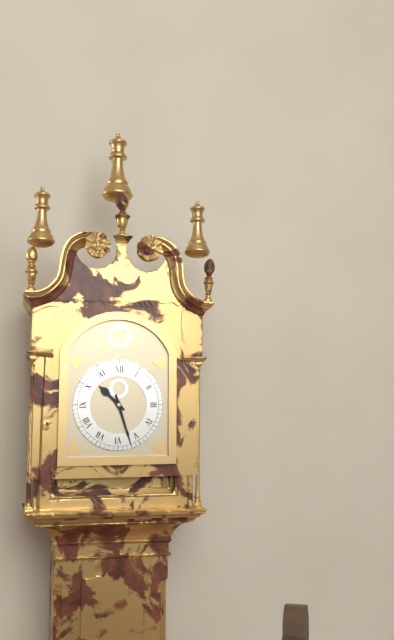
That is 10,27
